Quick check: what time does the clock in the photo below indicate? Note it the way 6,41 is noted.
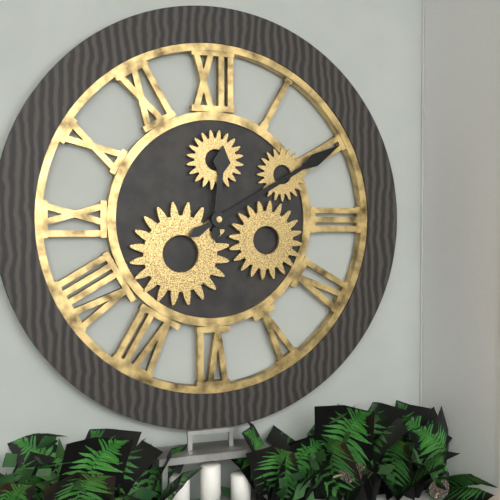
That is 12,10
